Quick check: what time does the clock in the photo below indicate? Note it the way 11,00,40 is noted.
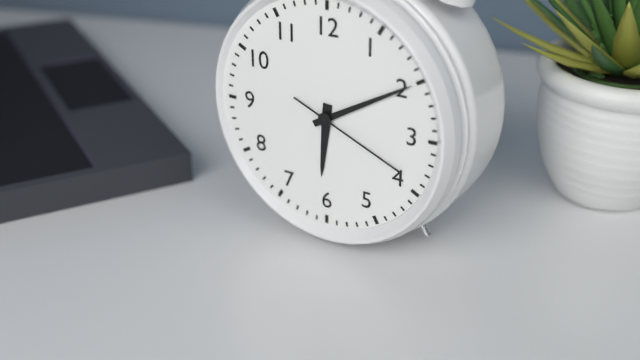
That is 6,10,19
